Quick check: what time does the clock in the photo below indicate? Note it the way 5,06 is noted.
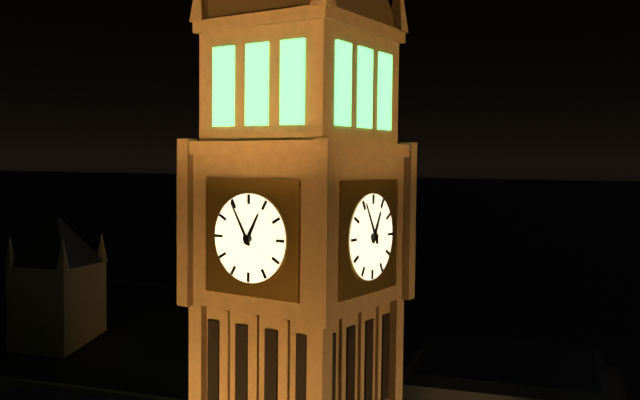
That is 12,55
